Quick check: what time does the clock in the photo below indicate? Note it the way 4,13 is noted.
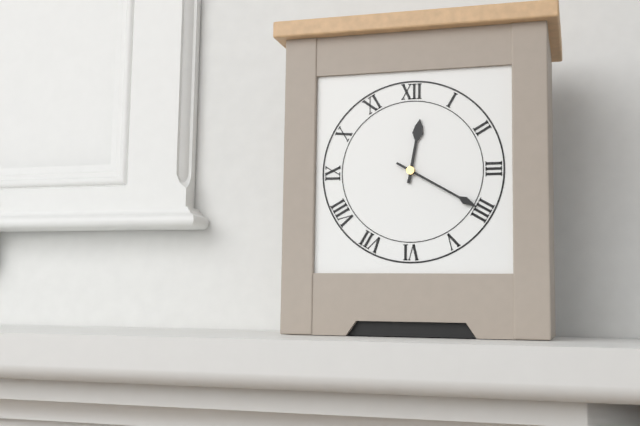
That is 12,20
